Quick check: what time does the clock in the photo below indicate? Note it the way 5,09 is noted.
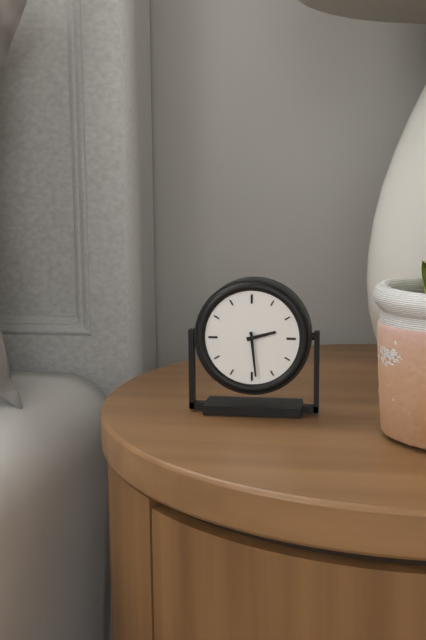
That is 2,29
